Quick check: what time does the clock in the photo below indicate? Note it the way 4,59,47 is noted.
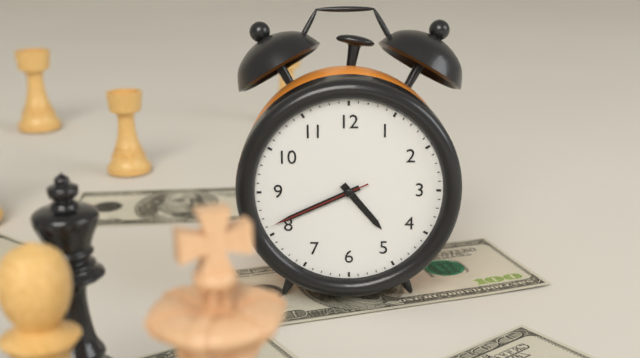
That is 4,41,41
